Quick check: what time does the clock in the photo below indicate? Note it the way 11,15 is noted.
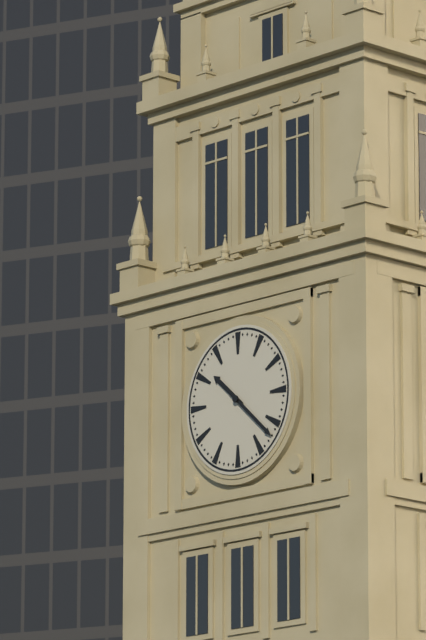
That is 10,22
